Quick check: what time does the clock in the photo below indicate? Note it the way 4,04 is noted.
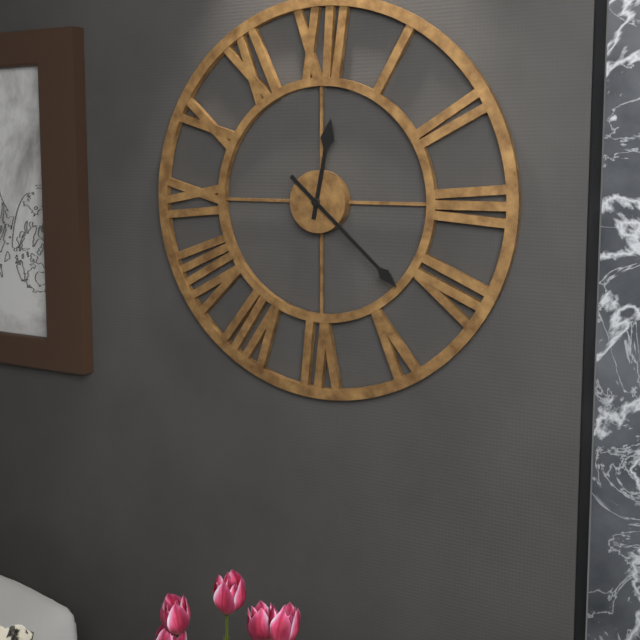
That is 12,22
